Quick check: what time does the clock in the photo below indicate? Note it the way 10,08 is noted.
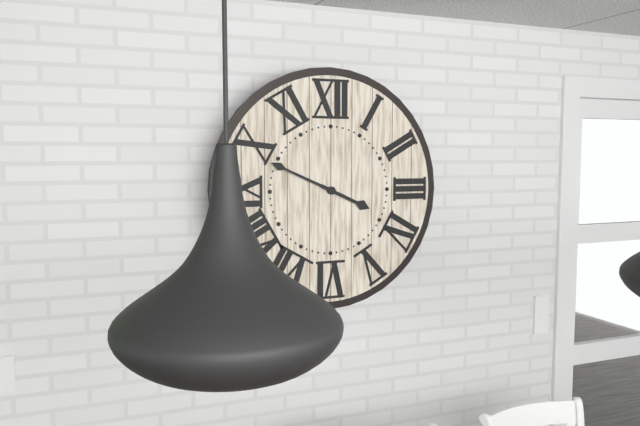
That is 3,49
